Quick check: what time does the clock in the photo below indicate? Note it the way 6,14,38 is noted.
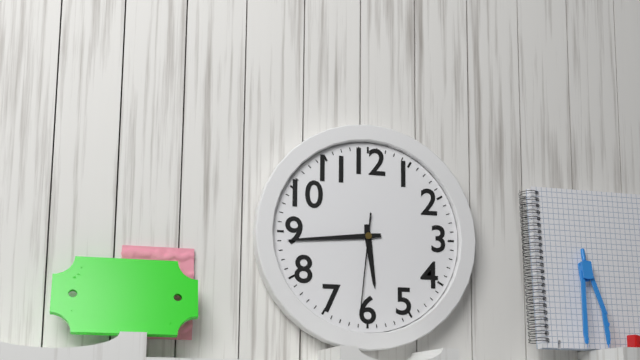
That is 5,44,31
